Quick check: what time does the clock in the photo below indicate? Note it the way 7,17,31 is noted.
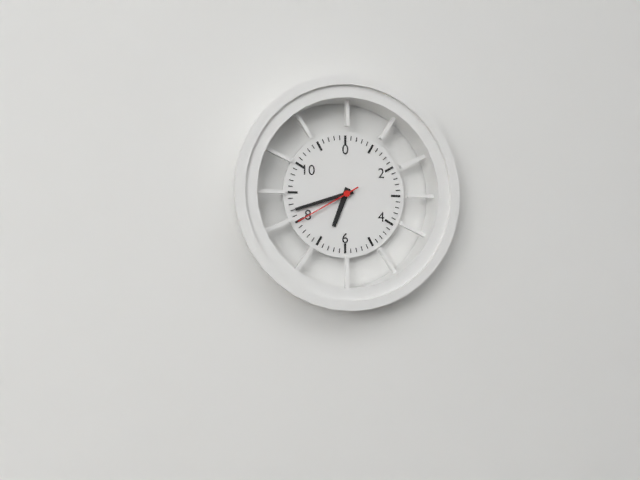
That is 6,42,40
